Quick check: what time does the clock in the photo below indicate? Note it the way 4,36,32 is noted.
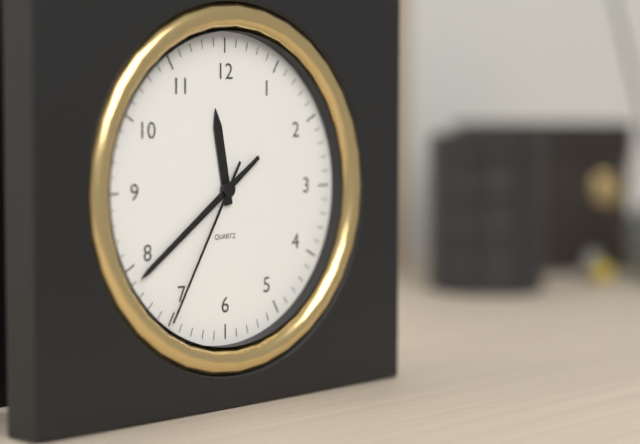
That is 11,39,35
